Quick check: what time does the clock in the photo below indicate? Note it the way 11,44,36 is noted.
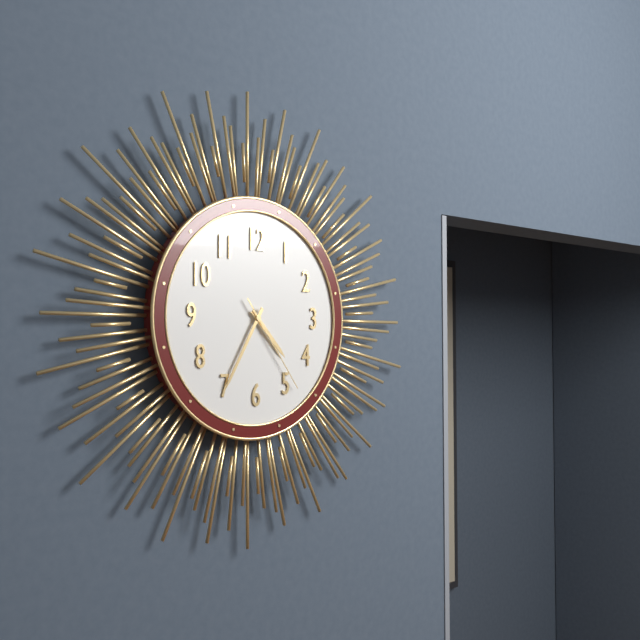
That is 4,35,24
